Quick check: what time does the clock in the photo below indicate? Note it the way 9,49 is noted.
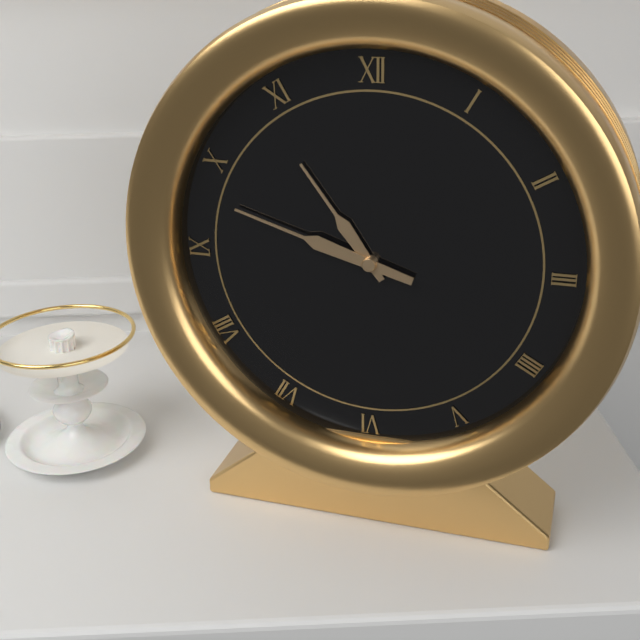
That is 10,48
